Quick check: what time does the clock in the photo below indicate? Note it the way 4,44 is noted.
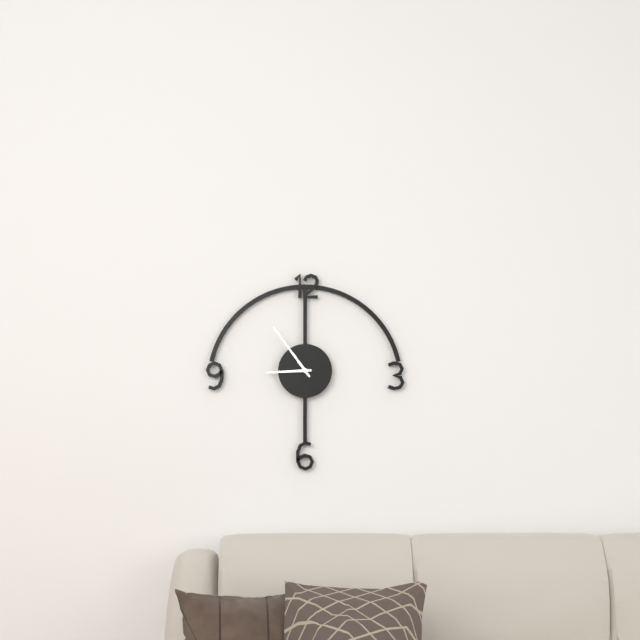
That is 8,54
